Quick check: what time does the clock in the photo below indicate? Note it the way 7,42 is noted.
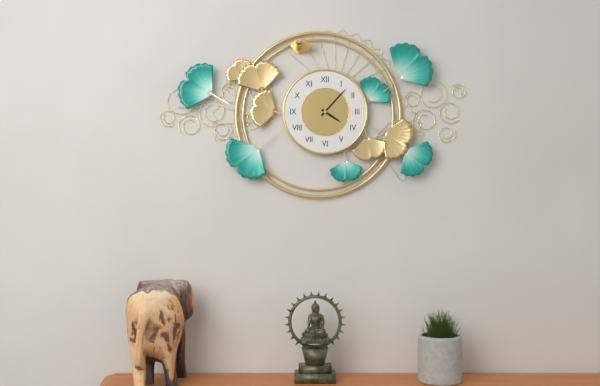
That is 4,07
